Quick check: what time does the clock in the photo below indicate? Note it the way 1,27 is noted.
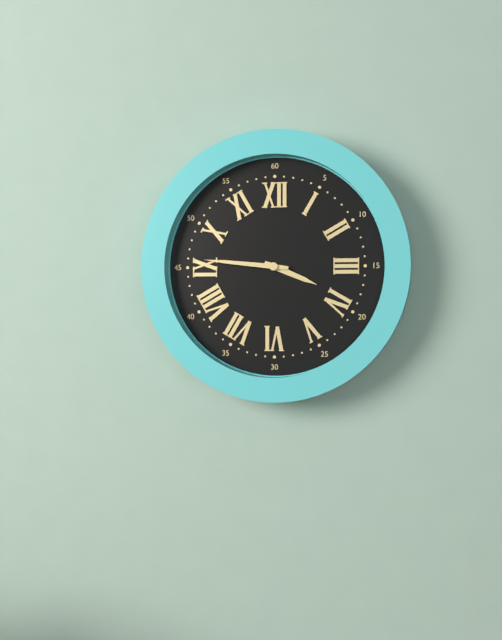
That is 3,46
